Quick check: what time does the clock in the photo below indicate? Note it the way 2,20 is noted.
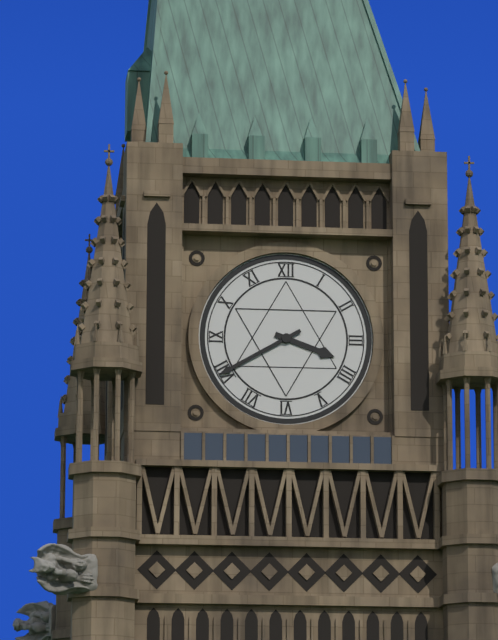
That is 3,40
